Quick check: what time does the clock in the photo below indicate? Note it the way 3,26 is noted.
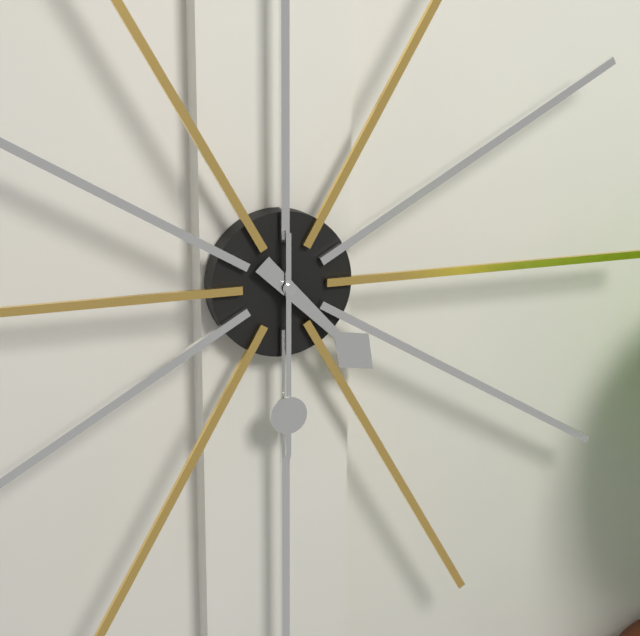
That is 4,30
